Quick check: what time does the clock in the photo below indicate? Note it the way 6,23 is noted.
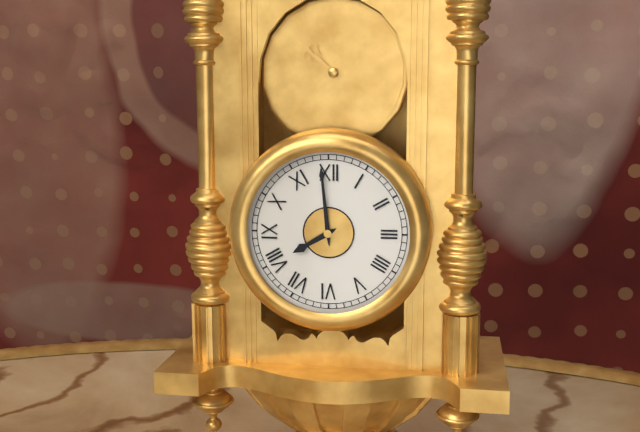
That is 7,59
